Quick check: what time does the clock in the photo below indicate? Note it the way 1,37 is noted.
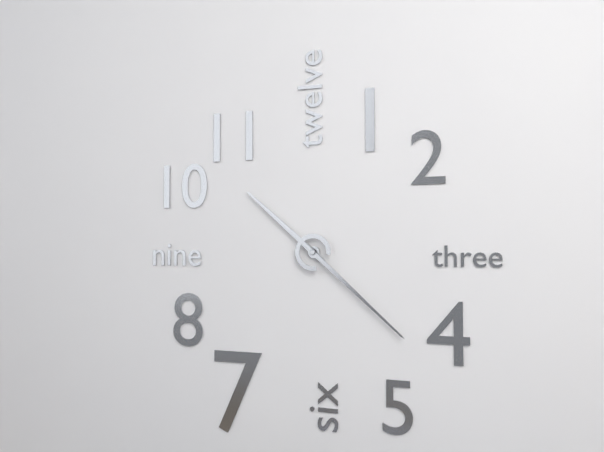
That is 10,22
